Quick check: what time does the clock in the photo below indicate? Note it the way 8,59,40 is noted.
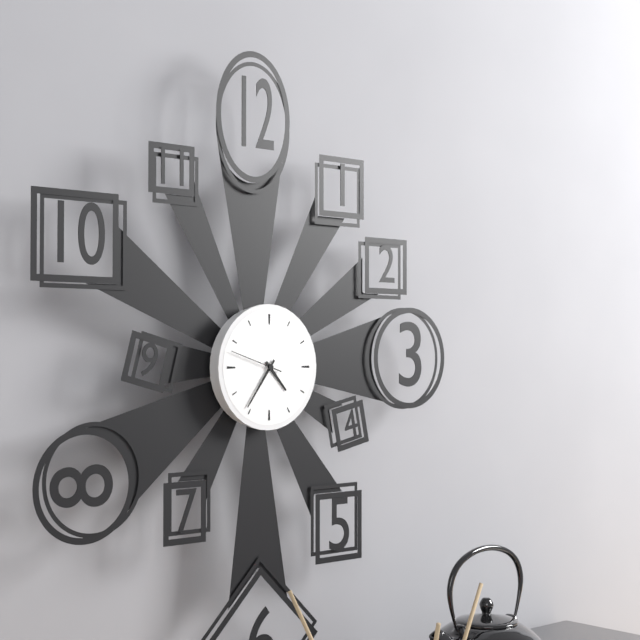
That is 4,36,48
